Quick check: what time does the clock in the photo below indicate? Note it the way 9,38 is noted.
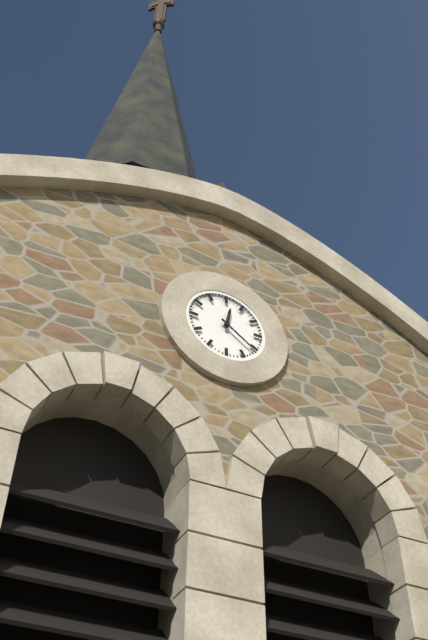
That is 12,21
